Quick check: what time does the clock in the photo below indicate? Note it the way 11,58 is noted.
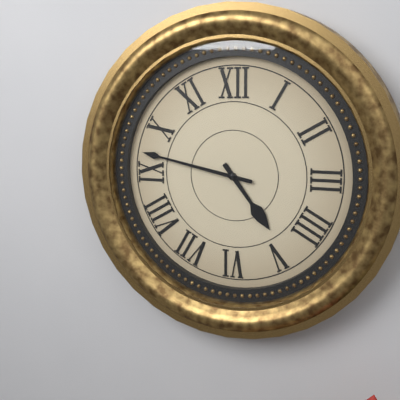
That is 4,47
